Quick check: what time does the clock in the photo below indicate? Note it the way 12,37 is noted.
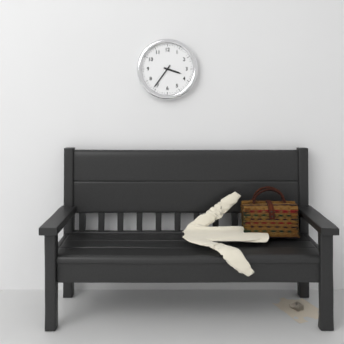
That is 3,36
